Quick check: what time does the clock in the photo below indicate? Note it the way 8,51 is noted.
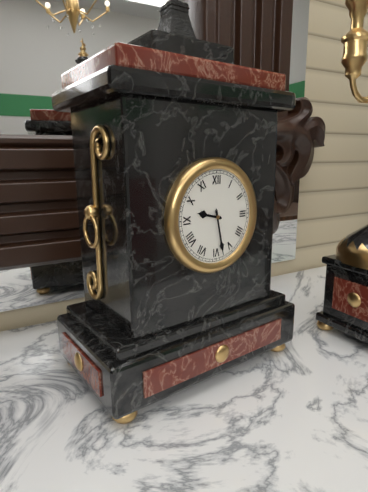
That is 9,28
